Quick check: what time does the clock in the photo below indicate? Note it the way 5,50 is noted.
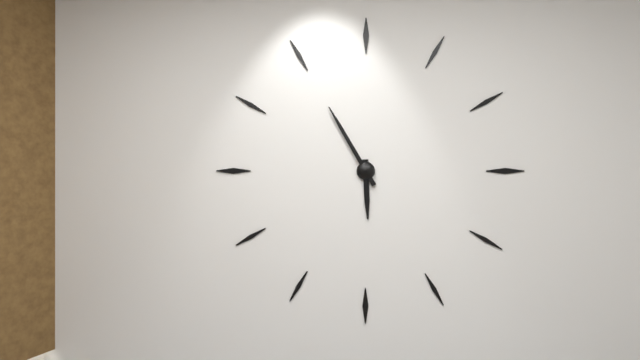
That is 5,55
